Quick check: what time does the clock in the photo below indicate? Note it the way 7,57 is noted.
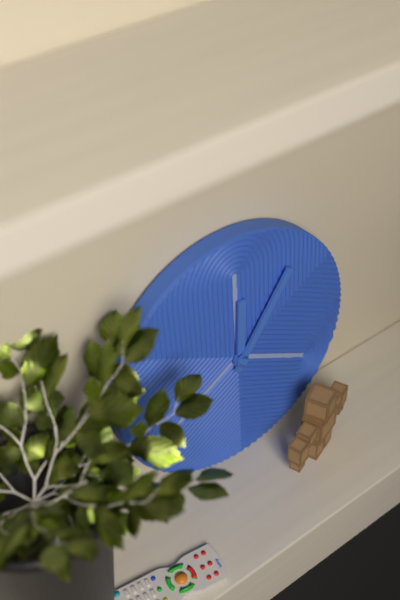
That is 12,06
